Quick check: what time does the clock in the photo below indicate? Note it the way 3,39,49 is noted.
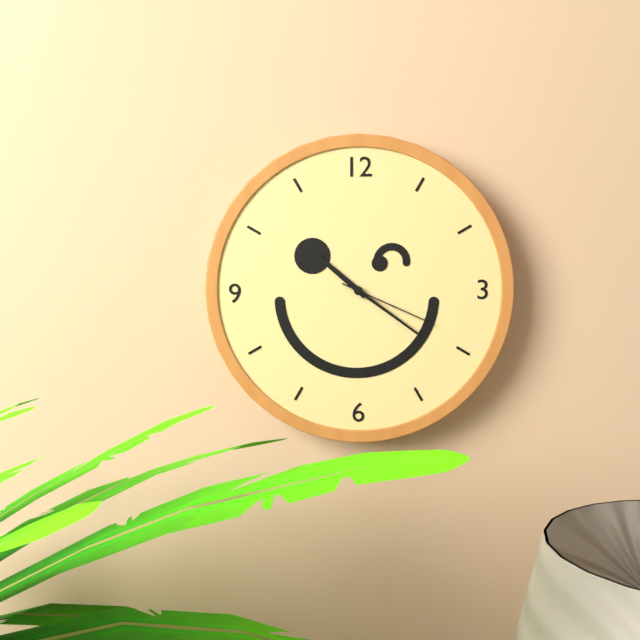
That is 10,21,19
